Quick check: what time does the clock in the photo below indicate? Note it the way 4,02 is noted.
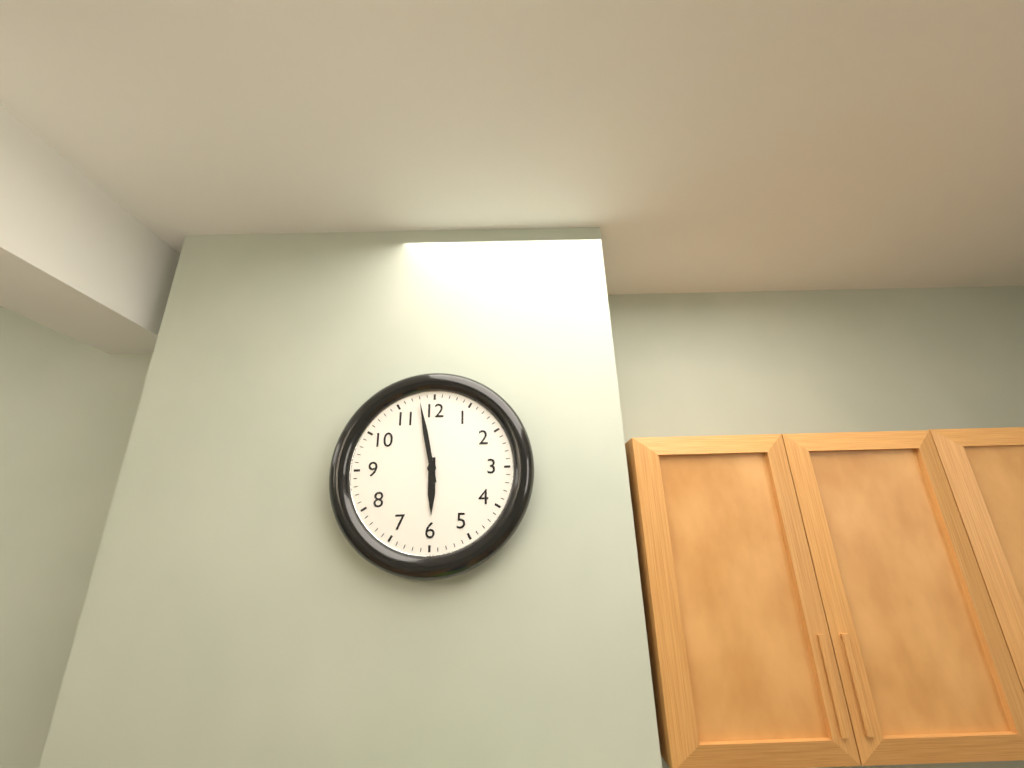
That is 5,58
